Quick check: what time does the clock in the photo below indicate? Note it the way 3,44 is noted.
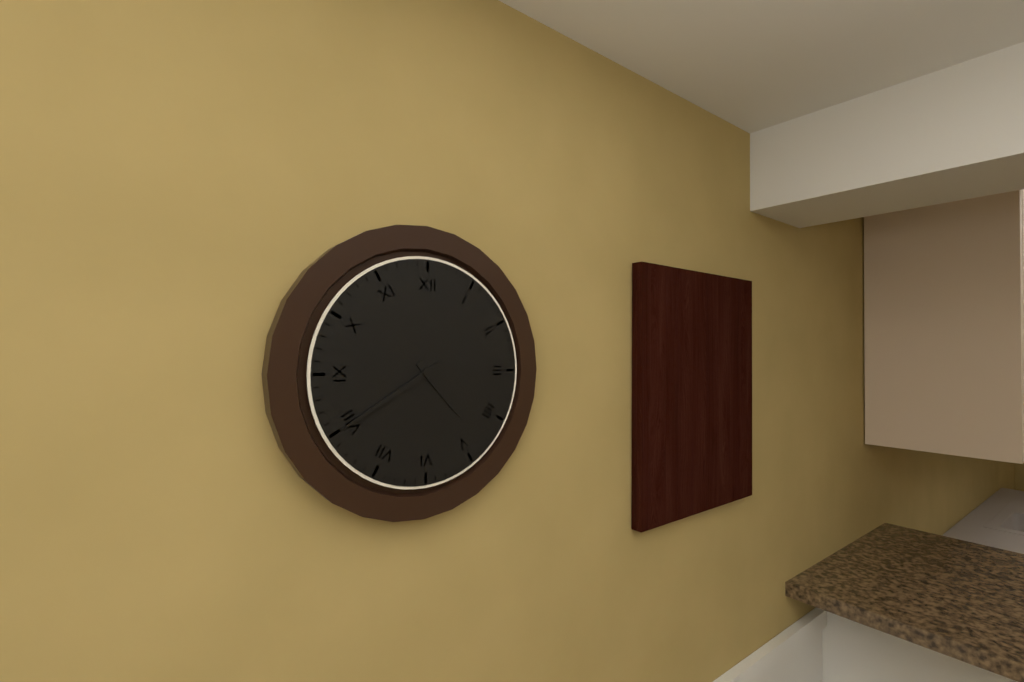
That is 4,40
